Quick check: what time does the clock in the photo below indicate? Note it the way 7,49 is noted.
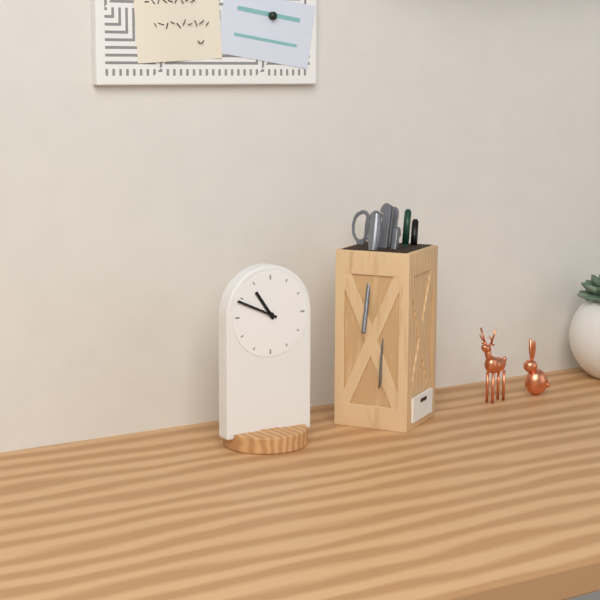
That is 10,49
